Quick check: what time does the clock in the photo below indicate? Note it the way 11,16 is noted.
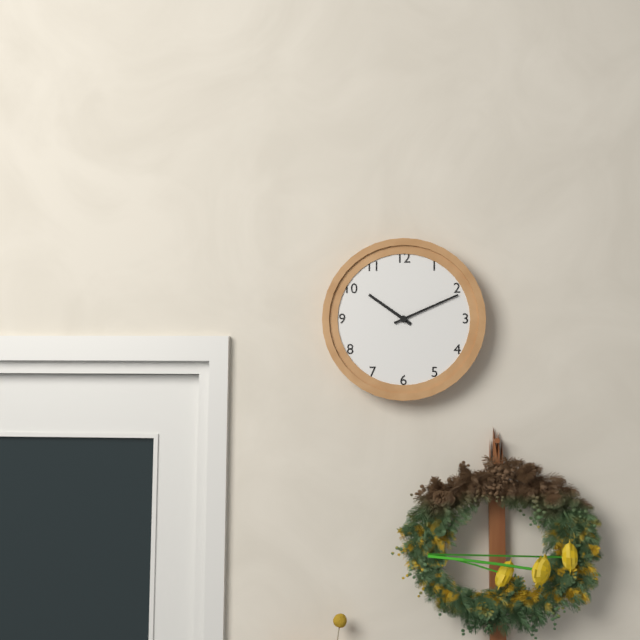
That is 10,11
